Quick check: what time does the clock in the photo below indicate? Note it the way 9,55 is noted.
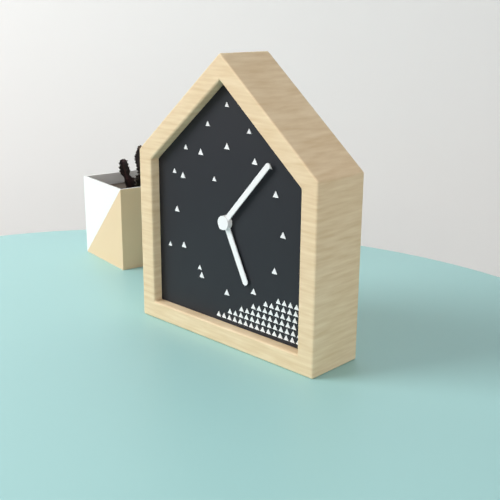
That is 5,07
